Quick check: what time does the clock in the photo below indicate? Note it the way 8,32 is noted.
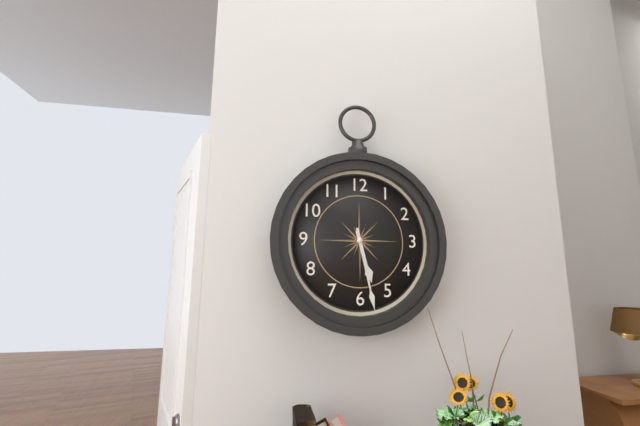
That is 5,28
